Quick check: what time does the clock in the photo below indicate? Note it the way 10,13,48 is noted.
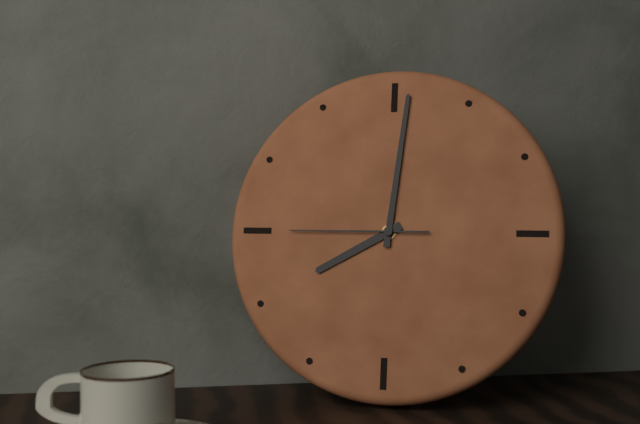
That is 8,01,45
